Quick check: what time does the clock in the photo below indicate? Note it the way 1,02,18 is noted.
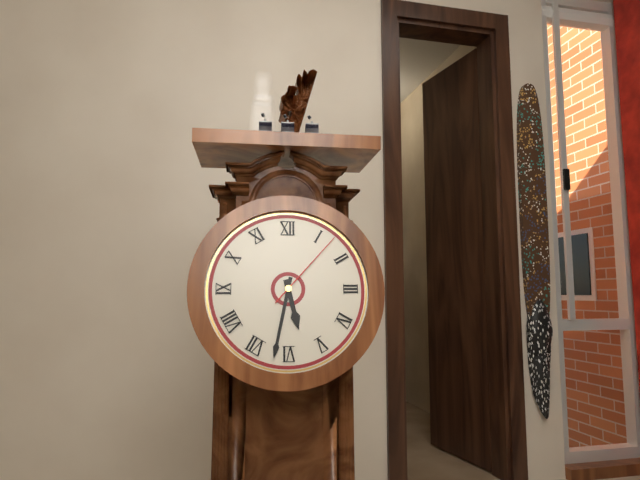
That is 5,32,07
